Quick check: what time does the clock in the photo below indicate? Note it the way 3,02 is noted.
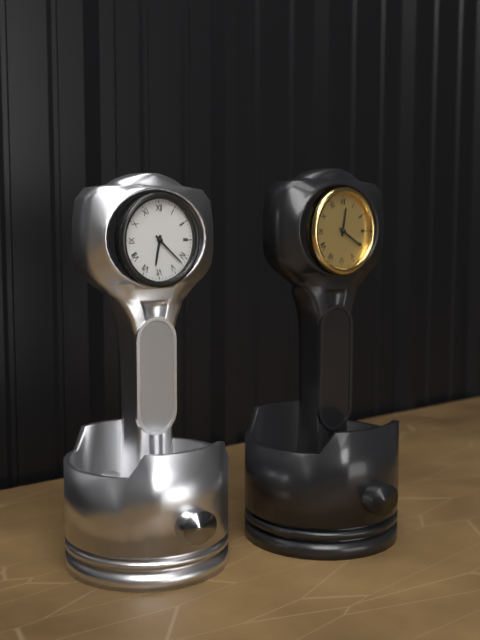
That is 6,22
